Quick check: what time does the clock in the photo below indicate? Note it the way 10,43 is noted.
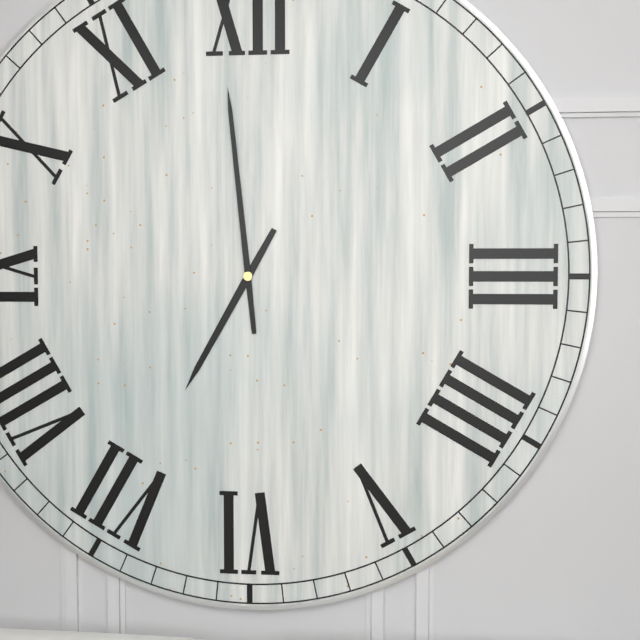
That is 6,59
